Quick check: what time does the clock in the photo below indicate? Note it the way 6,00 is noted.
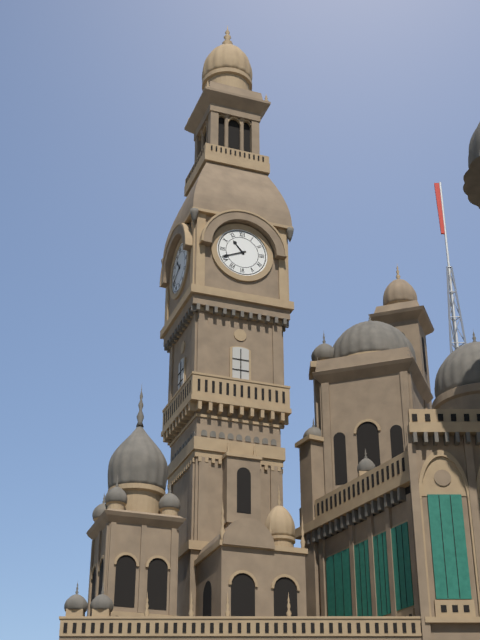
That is 10,41
